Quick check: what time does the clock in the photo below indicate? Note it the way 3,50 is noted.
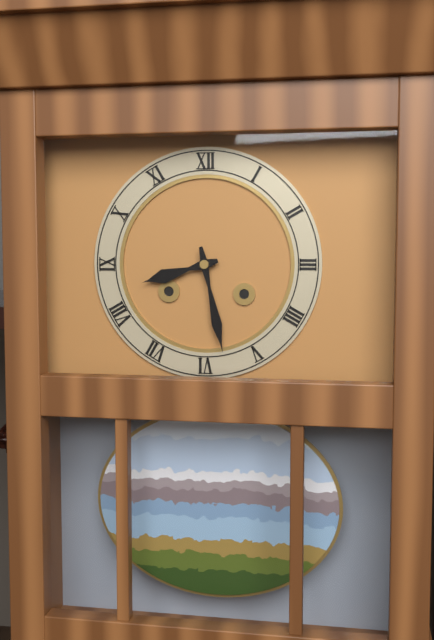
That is 8,28
